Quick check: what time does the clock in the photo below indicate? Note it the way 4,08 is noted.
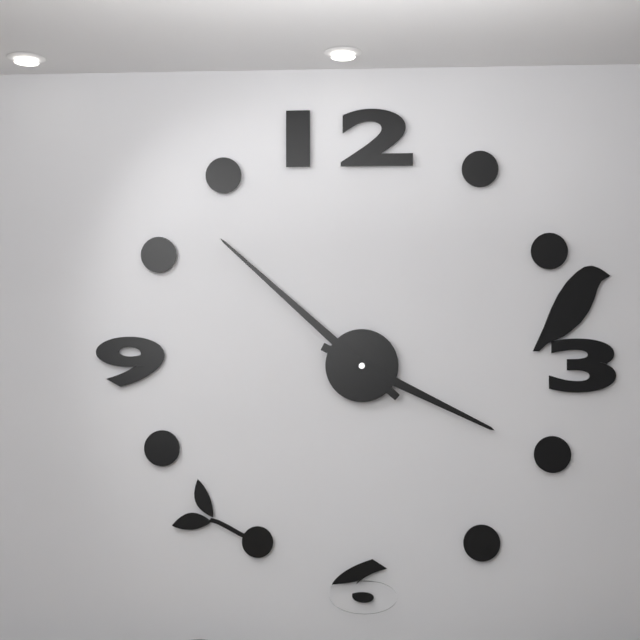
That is 3,52
